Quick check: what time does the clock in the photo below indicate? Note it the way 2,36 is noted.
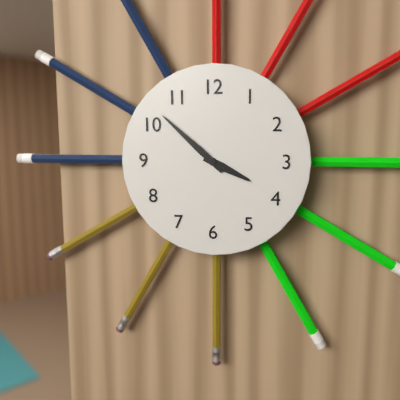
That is 3,52
